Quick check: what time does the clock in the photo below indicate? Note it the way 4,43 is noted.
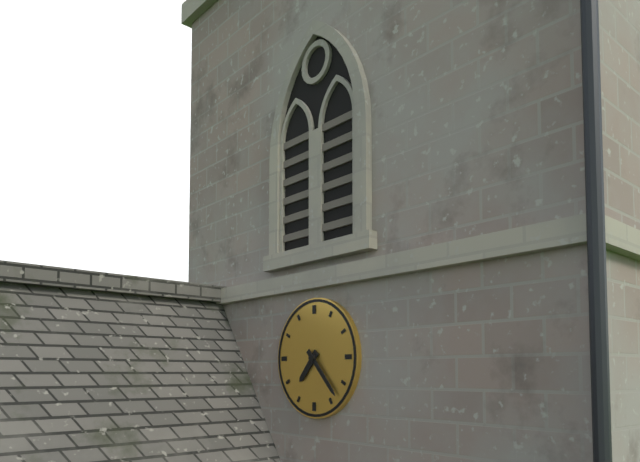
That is 7,23
